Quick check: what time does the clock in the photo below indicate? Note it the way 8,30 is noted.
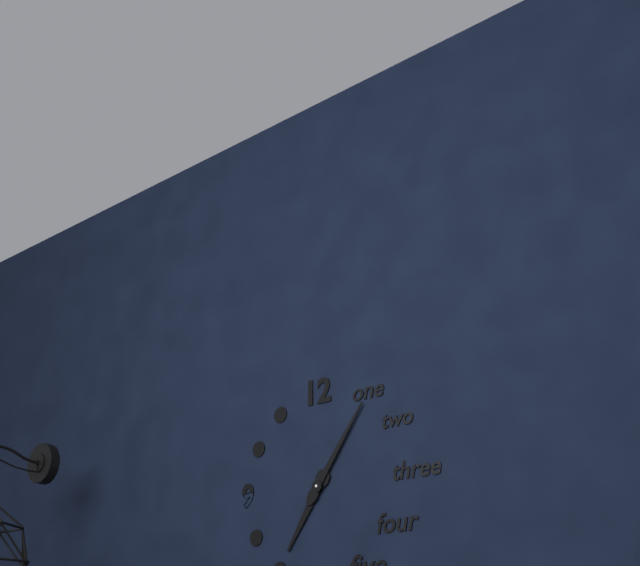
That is 7,06
